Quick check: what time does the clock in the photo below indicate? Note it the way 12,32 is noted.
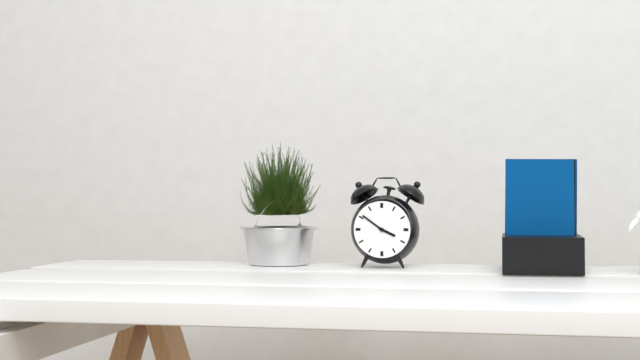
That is 3,51
